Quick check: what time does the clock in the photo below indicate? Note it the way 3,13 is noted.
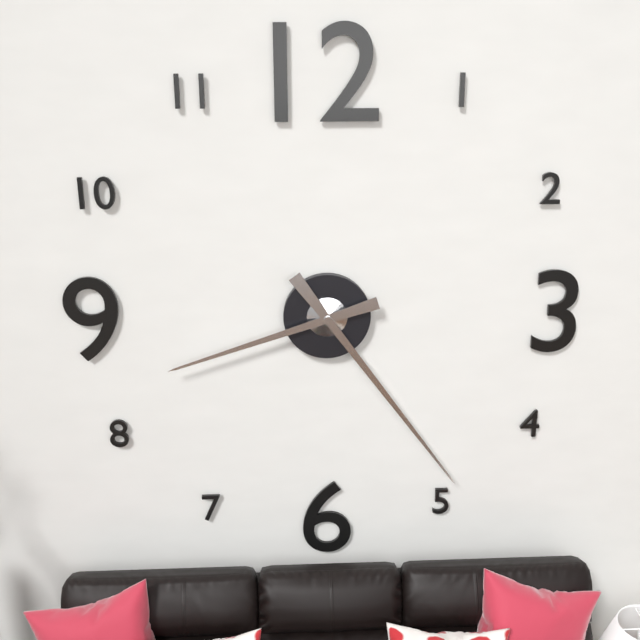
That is 8,24
